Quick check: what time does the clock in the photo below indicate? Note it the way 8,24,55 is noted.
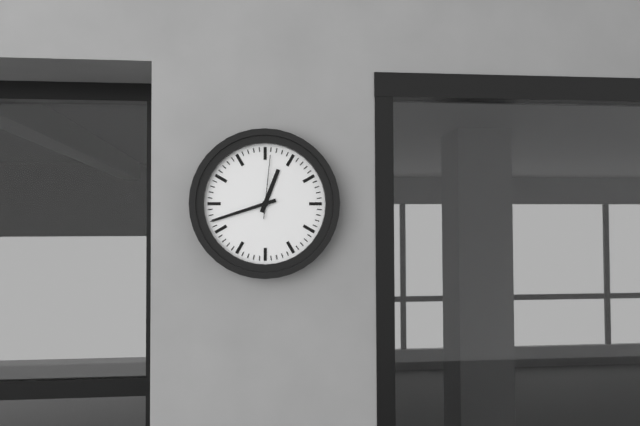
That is 12,42,01
